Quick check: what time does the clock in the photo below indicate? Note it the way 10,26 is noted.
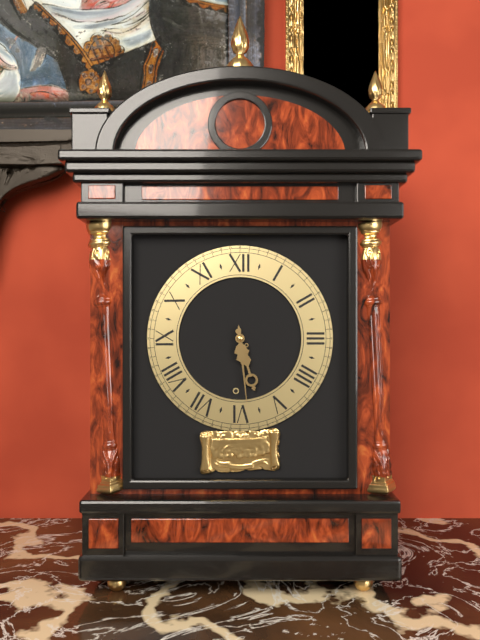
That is 5,29
